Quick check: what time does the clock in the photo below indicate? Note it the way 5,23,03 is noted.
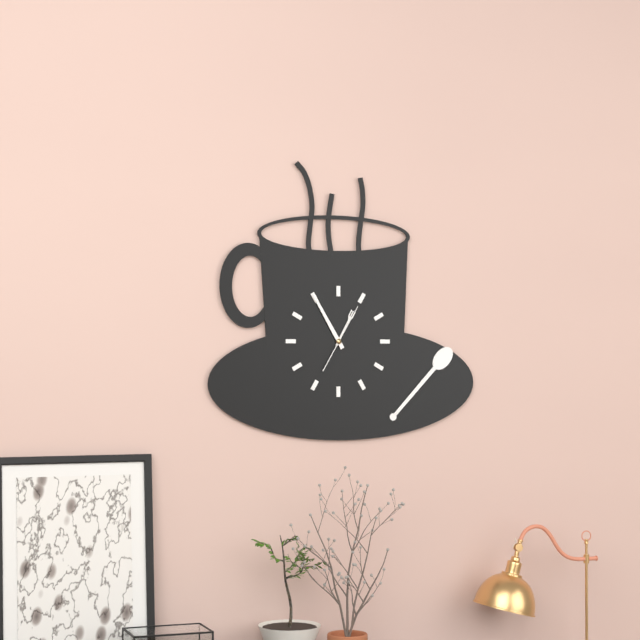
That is 12,55,05
